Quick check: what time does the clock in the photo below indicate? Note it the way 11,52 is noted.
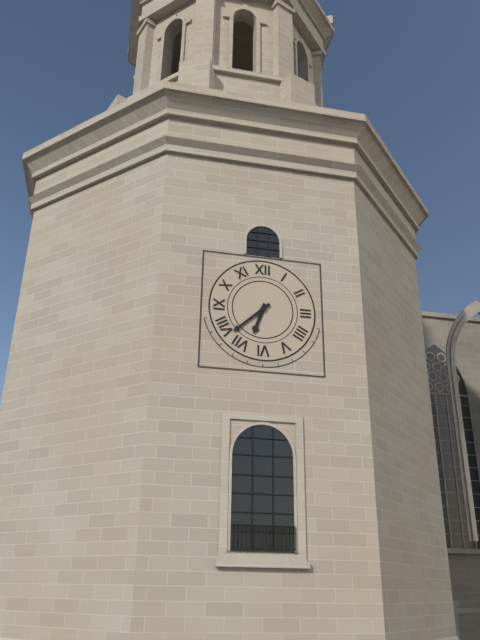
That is 6,38
